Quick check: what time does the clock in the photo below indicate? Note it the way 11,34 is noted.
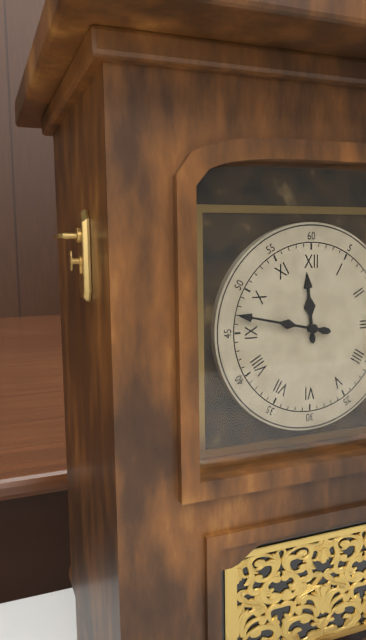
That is 11,47
